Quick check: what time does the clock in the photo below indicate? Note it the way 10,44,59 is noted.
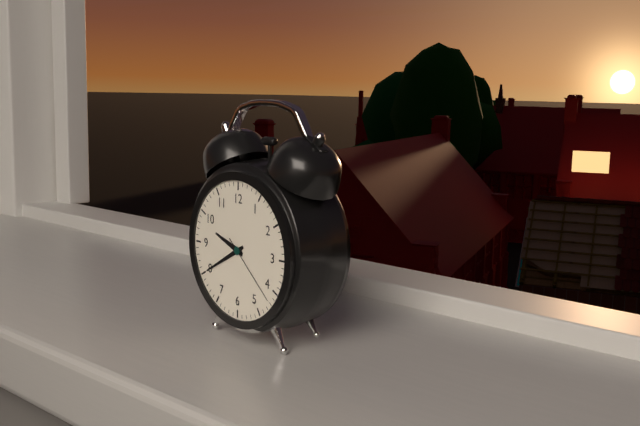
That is 9,40,22
